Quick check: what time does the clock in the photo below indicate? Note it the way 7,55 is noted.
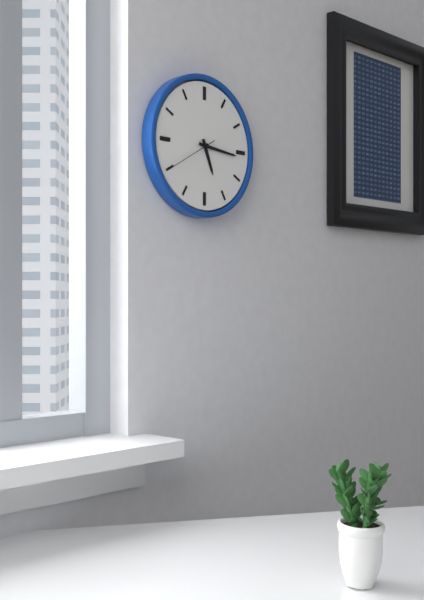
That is 5,16
